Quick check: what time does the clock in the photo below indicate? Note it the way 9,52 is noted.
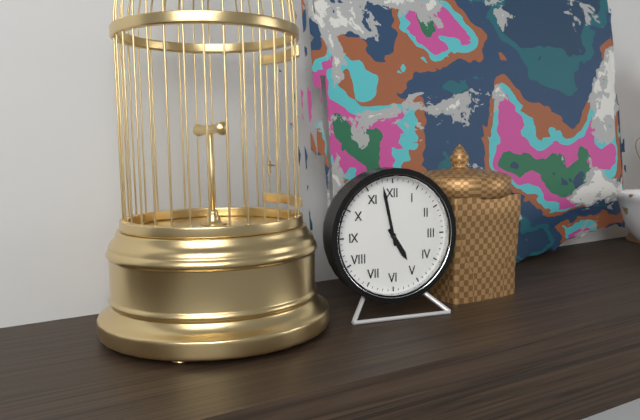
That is 4,58
